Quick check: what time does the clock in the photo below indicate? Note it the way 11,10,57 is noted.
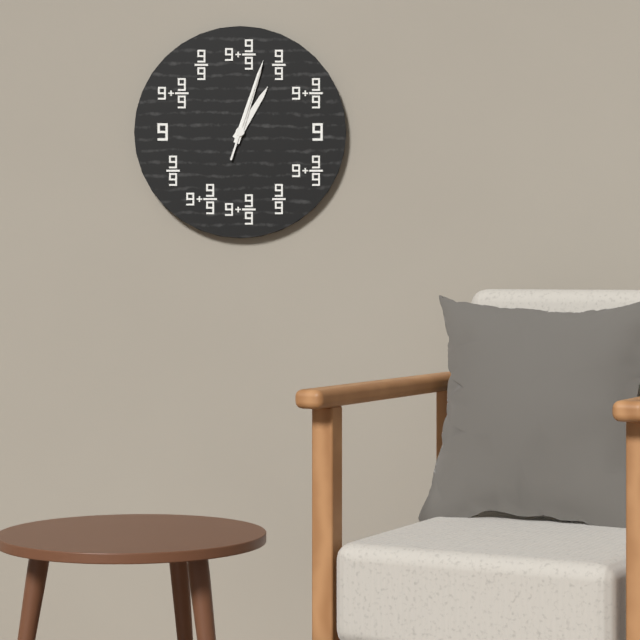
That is 1,03,03
